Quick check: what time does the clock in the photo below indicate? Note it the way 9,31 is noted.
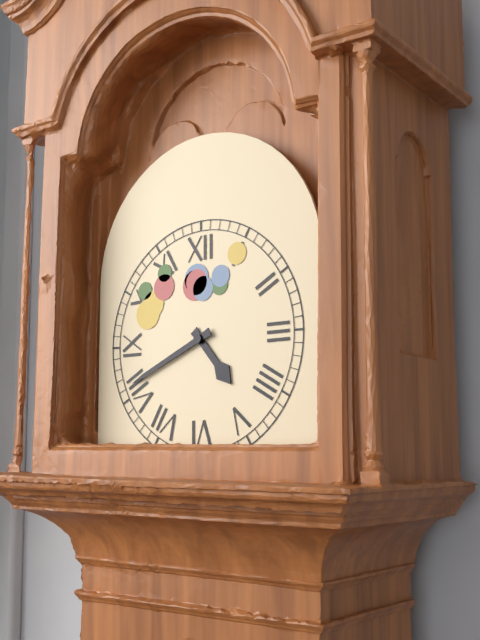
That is 4,41
